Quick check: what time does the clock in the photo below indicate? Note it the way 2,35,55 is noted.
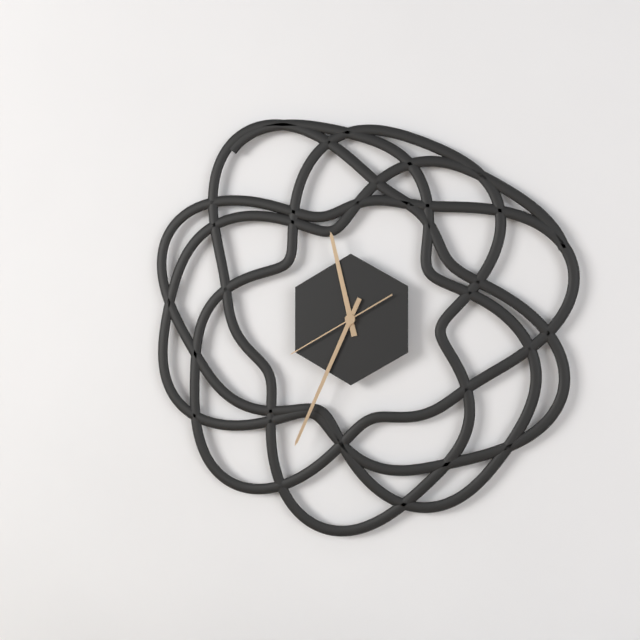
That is 11,34,40
